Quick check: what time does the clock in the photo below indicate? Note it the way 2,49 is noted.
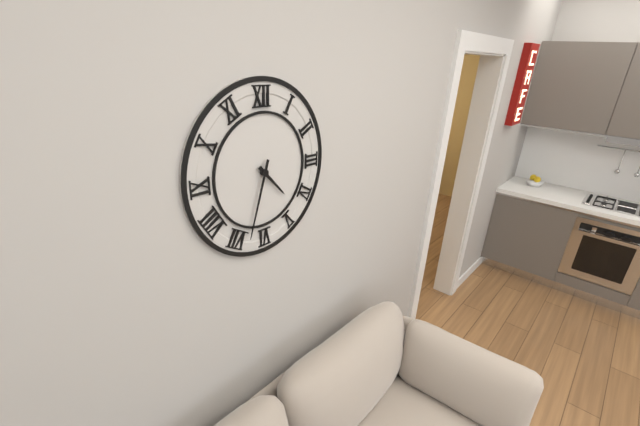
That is 4,33
